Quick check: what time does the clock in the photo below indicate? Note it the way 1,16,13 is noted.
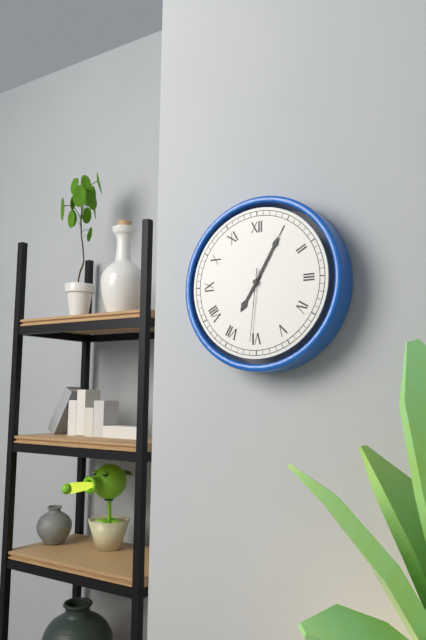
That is 7,05,31
